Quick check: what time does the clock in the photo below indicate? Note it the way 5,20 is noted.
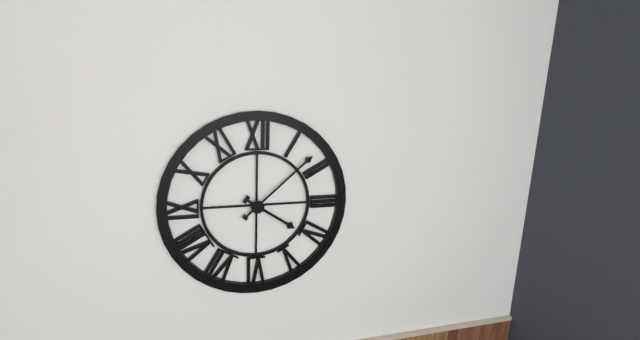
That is 4,08
